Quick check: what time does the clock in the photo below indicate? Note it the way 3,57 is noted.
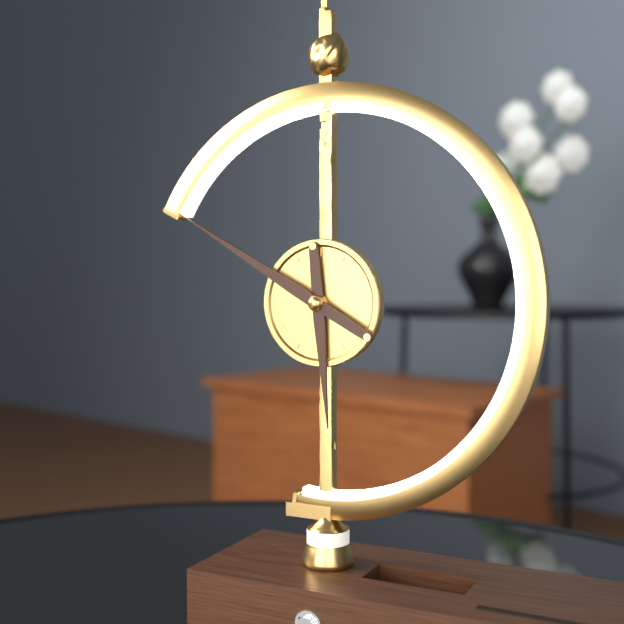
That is 5,50
